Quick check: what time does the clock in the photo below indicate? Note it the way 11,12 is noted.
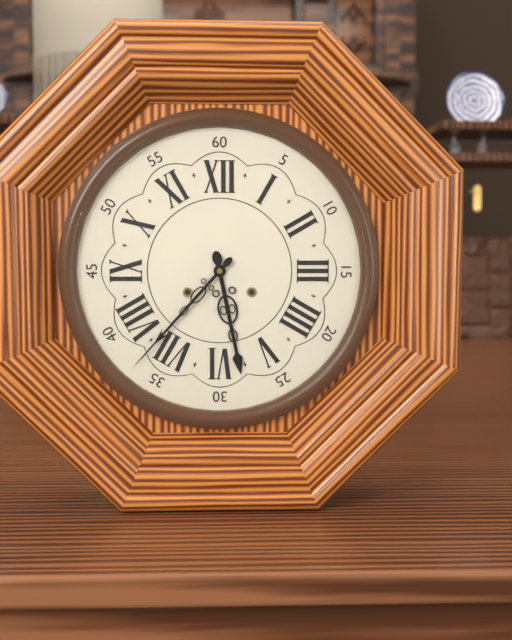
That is 5,37
